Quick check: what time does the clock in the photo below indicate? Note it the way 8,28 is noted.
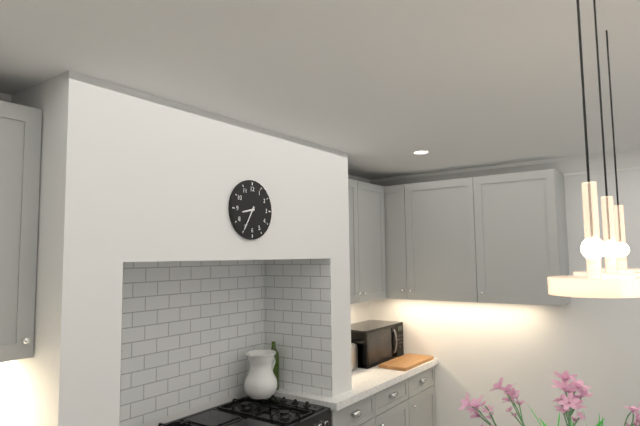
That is 8,35
